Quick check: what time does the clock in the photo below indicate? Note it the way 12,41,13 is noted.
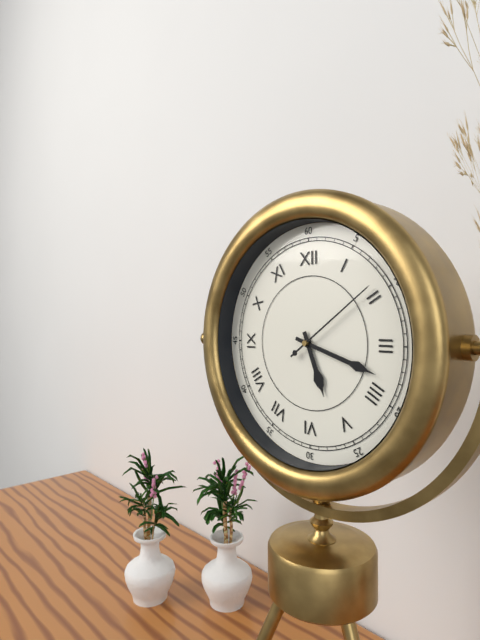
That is 5,18,09
